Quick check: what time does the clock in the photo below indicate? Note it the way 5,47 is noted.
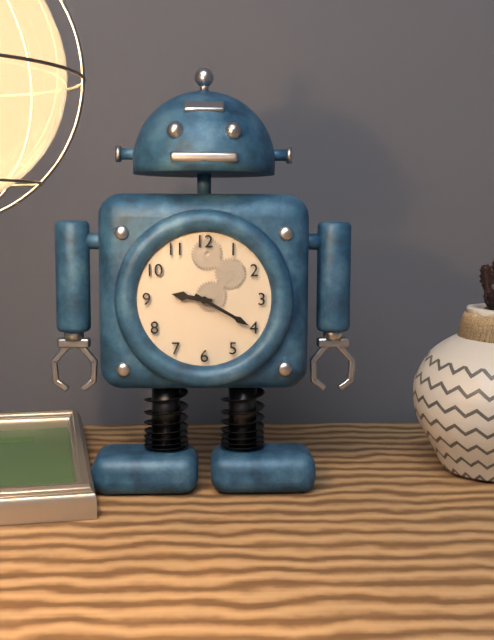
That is 9,20
